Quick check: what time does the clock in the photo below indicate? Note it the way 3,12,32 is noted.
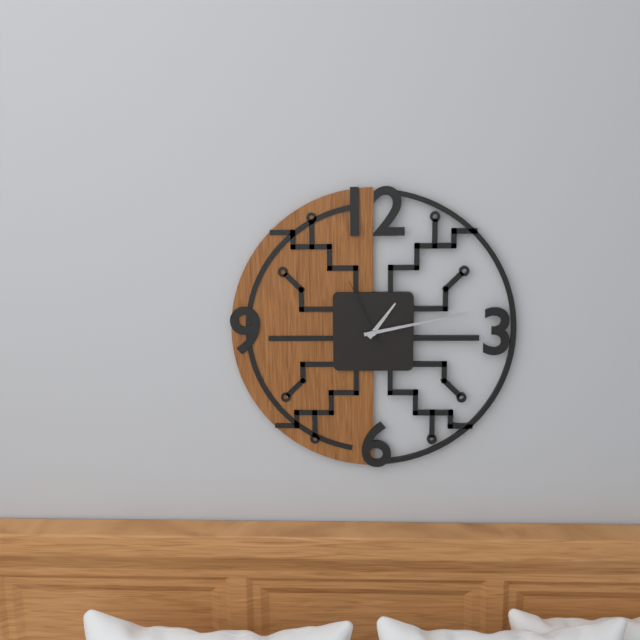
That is 1,13,56
